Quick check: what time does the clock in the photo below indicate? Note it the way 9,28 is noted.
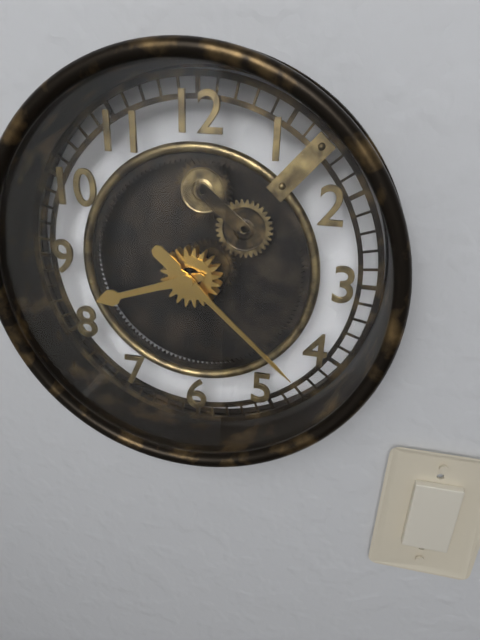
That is 8,22
